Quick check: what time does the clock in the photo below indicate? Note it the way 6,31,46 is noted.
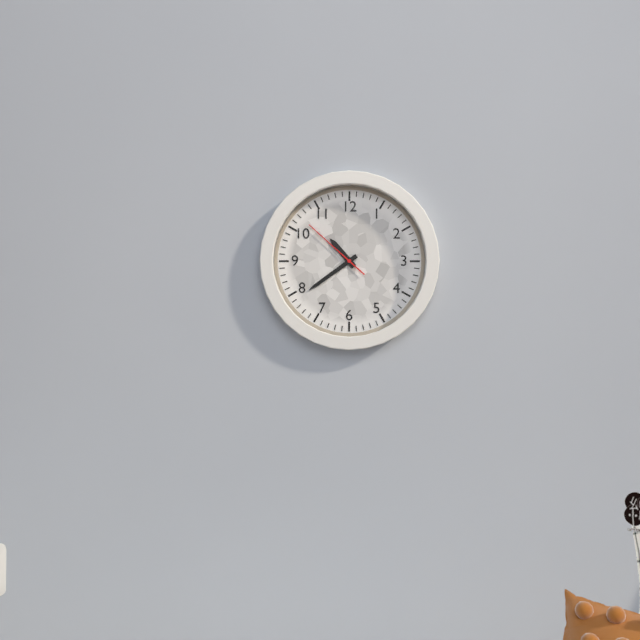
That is 10,39,52
